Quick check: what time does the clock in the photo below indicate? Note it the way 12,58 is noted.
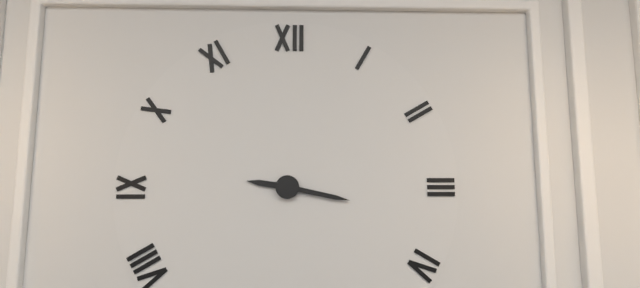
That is 9,17
